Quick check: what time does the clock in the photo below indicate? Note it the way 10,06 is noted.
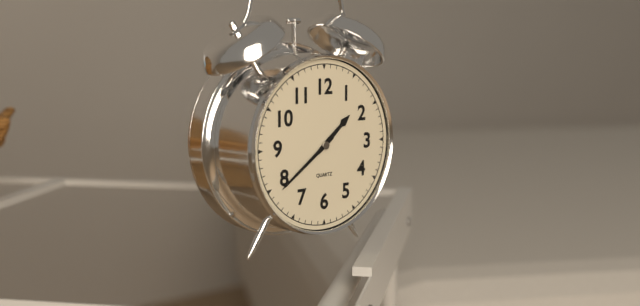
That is 1,39
